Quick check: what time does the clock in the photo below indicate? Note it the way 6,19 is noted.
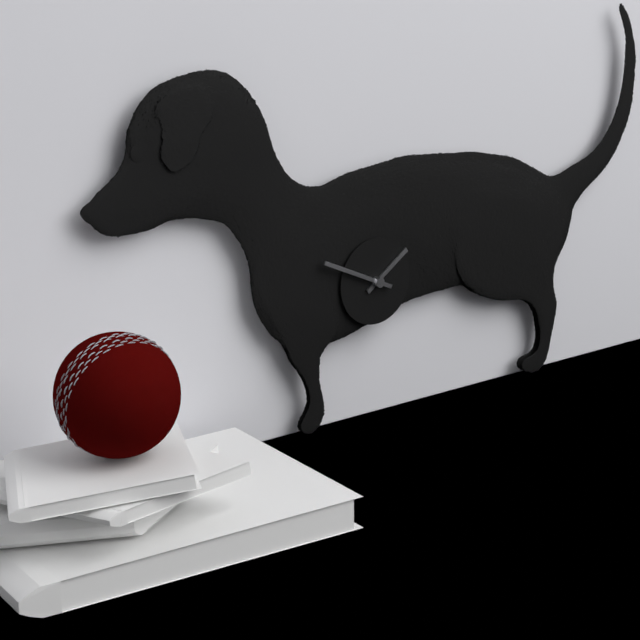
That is 1,49
